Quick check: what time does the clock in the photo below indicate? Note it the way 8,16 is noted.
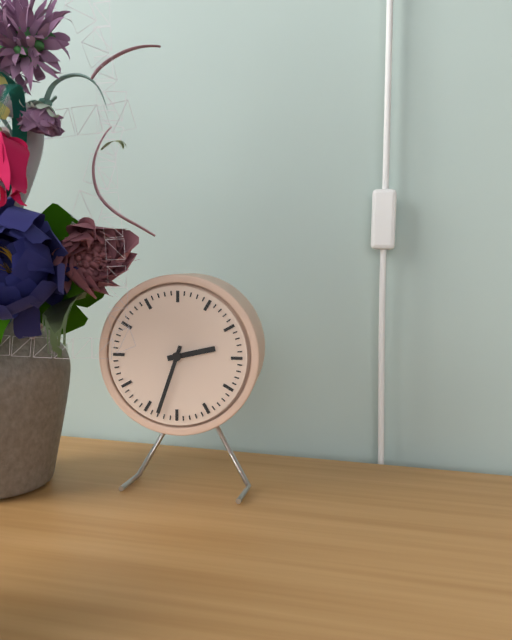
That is 2,33
